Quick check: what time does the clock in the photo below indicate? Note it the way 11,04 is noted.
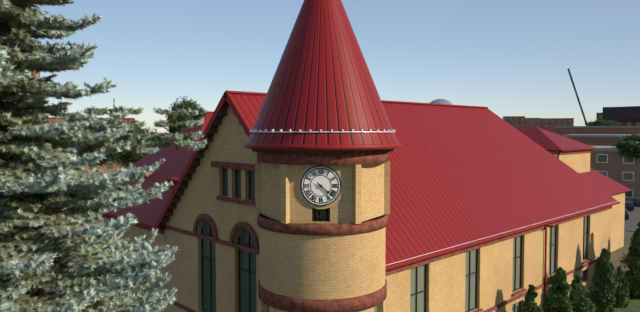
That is 4,22
